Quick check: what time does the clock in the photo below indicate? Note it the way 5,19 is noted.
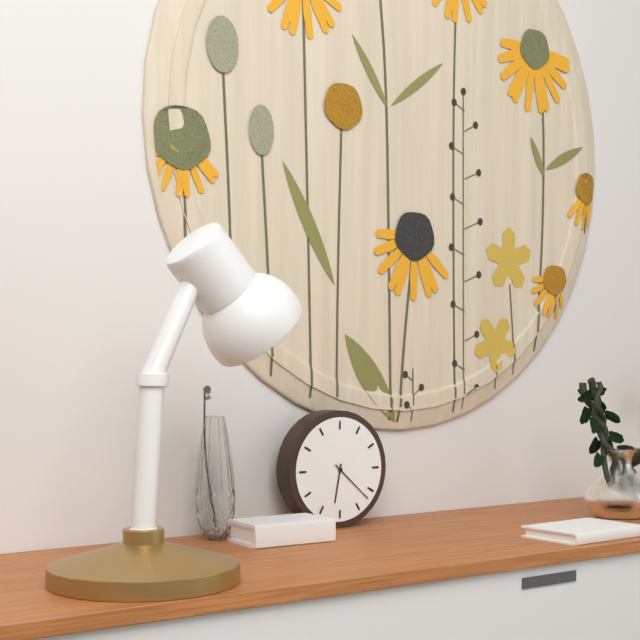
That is 6,22
